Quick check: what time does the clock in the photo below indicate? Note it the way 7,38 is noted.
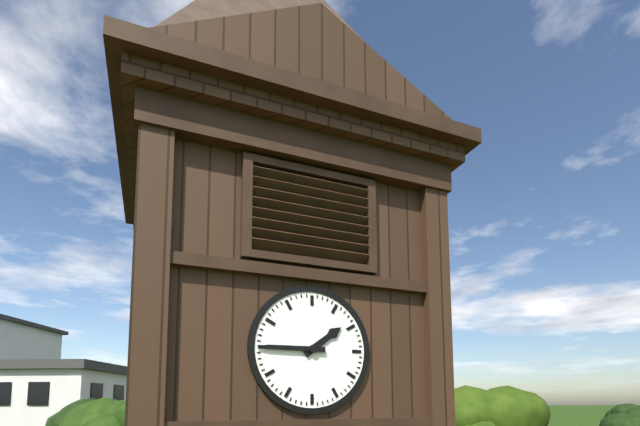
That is 1,45
